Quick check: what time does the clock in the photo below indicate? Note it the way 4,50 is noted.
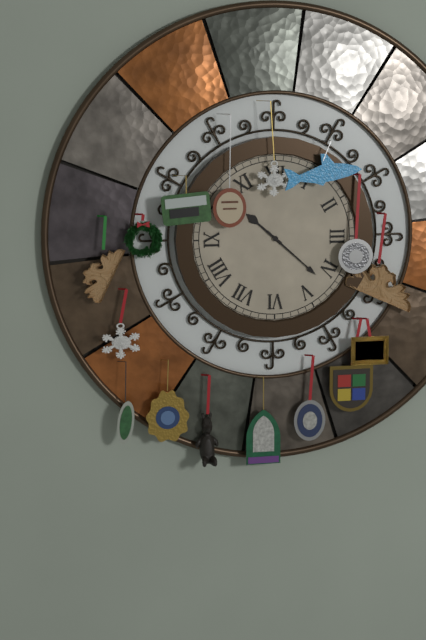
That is 10,22
